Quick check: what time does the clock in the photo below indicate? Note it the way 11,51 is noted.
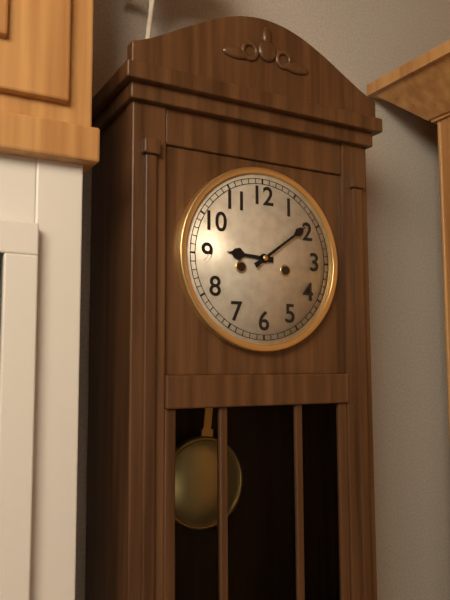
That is 9,09
